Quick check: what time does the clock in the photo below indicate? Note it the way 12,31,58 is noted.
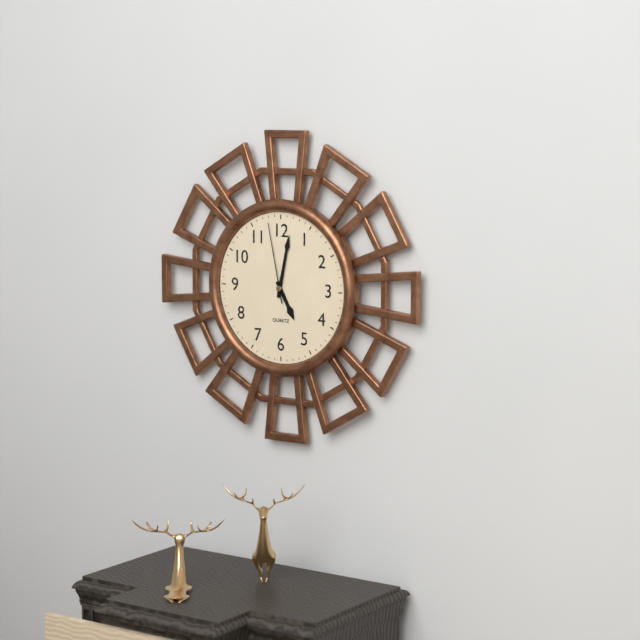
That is 5,02,58
